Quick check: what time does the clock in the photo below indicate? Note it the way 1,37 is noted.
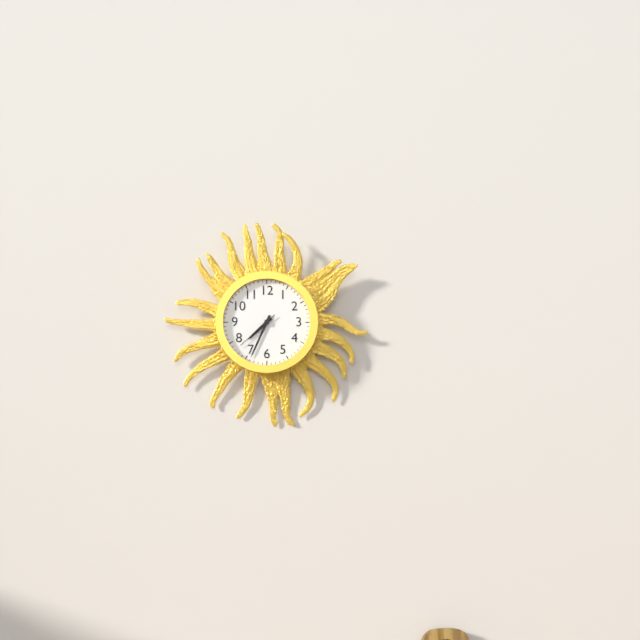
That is 7,34
